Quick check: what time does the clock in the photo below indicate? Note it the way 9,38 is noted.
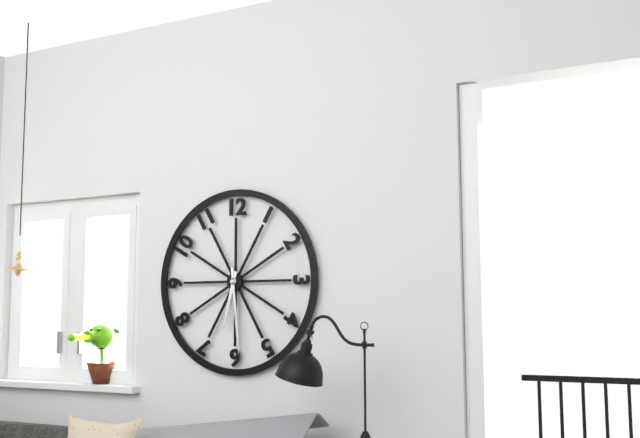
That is 6,29
